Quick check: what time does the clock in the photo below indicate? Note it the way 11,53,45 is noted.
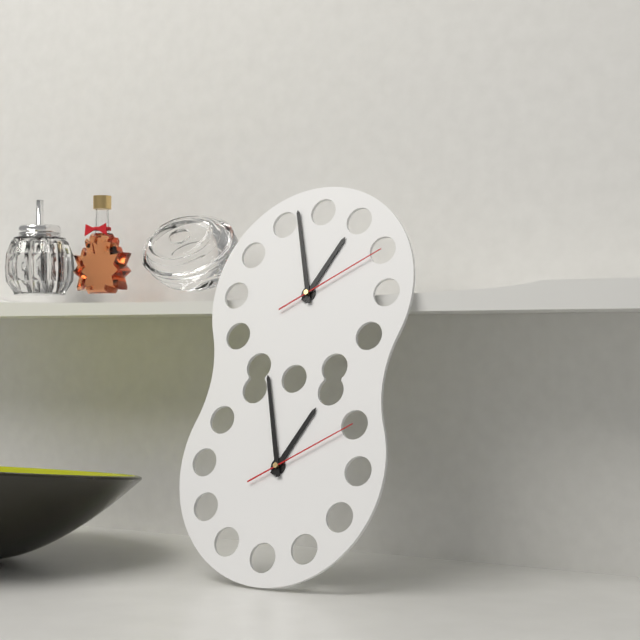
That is 12,57,10
